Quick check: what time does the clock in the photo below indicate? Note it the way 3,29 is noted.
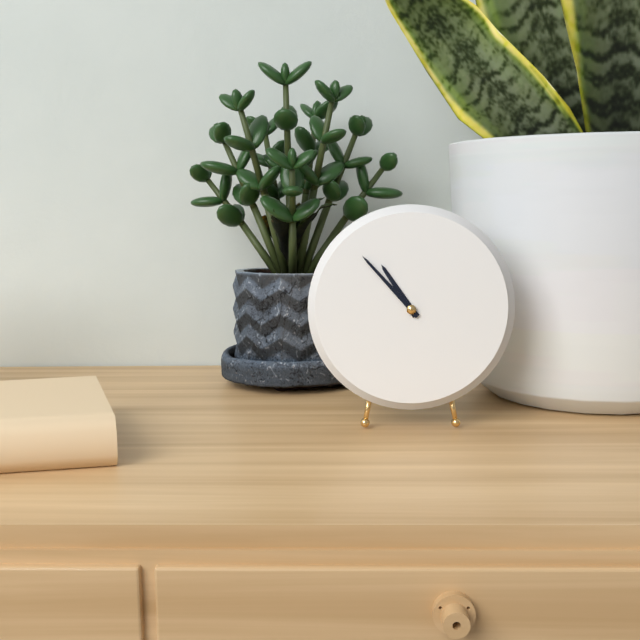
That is 10,53
